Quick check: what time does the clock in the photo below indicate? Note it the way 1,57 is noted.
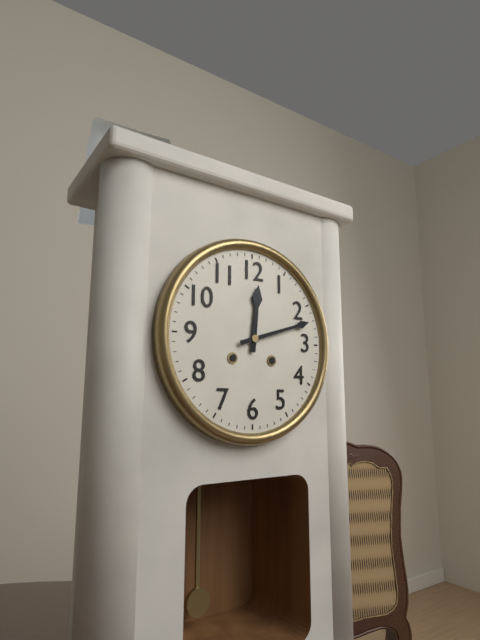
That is 12,12
